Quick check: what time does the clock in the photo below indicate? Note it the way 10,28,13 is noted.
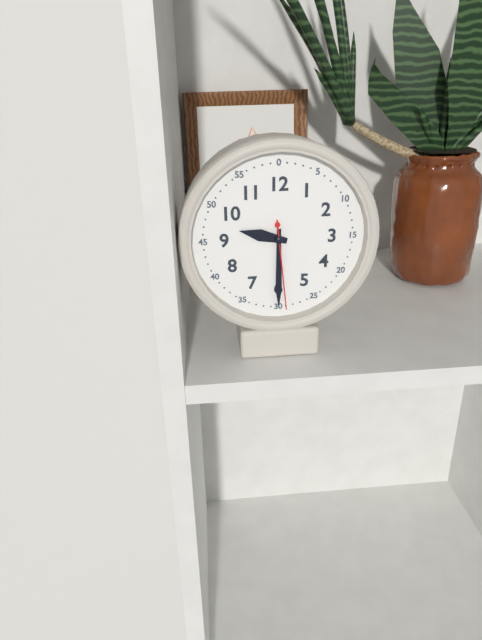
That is 9,30,29
